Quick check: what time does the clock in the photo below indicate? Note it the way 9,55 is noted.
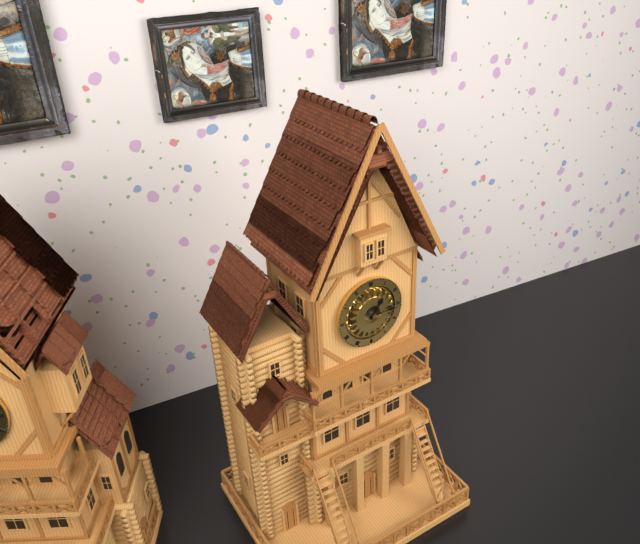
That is 1,15
